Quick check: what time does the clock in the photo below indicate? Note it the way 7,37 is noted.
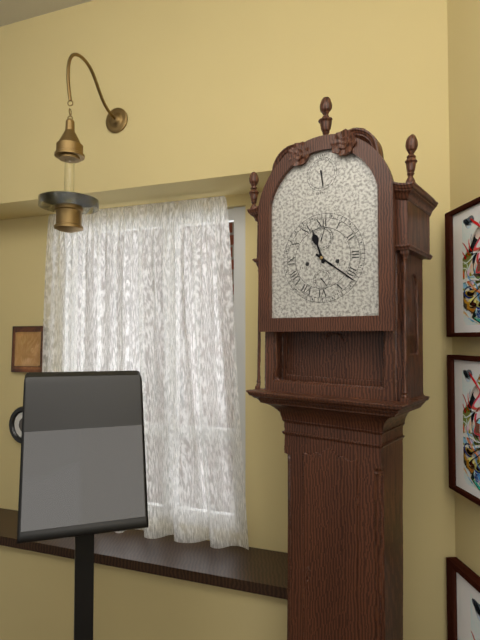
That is 11,21
